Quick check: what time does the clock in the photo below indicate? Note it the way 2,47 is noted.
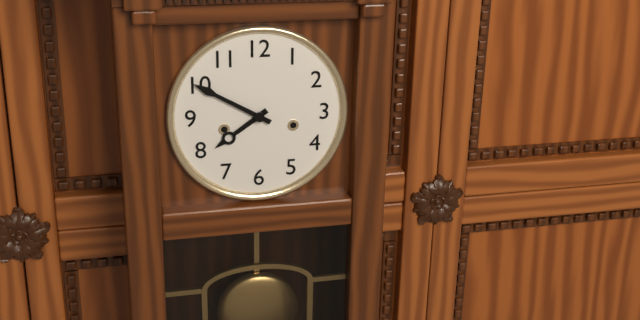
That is 7,50
